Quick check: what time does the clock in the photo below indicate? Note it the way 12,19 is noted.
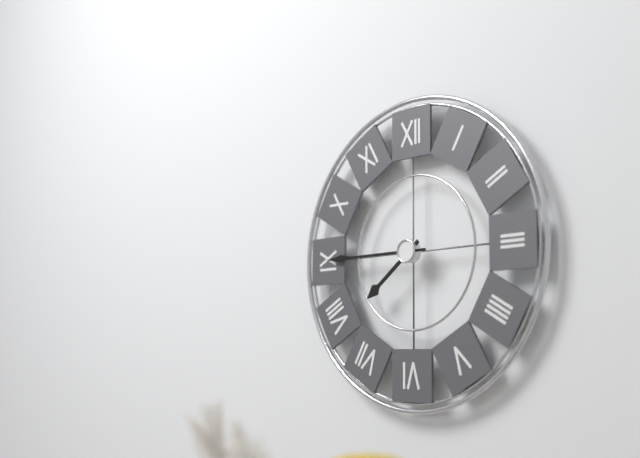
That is 7,45
